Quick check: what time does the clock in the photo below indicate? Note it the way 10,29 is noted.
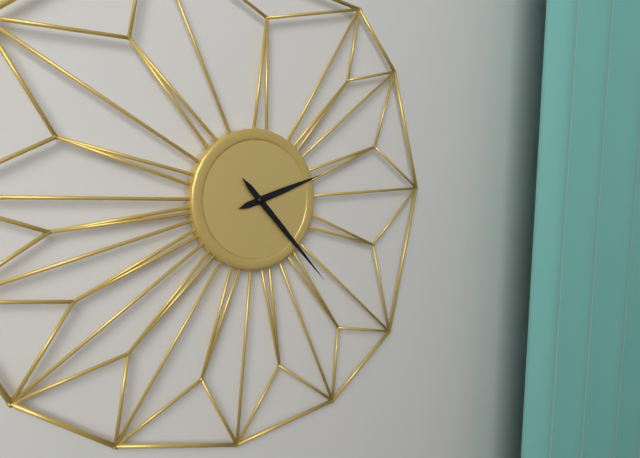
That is 2,23
